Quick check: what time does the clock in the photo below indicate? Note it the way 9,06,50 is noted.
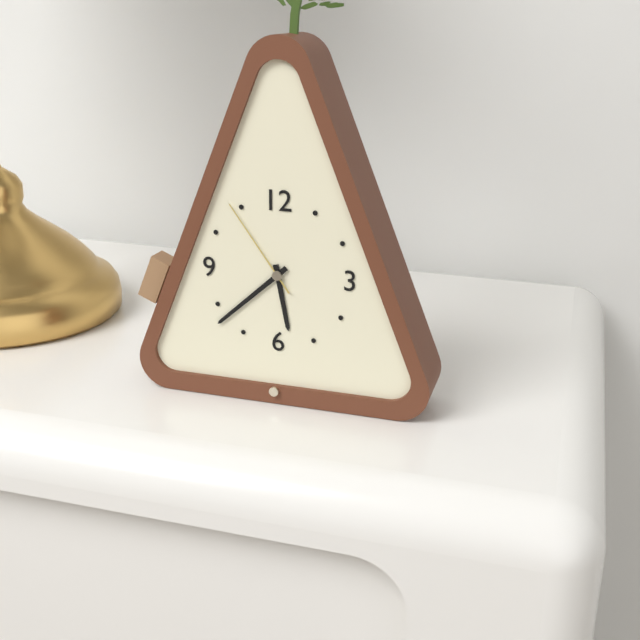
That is 5,38,54
